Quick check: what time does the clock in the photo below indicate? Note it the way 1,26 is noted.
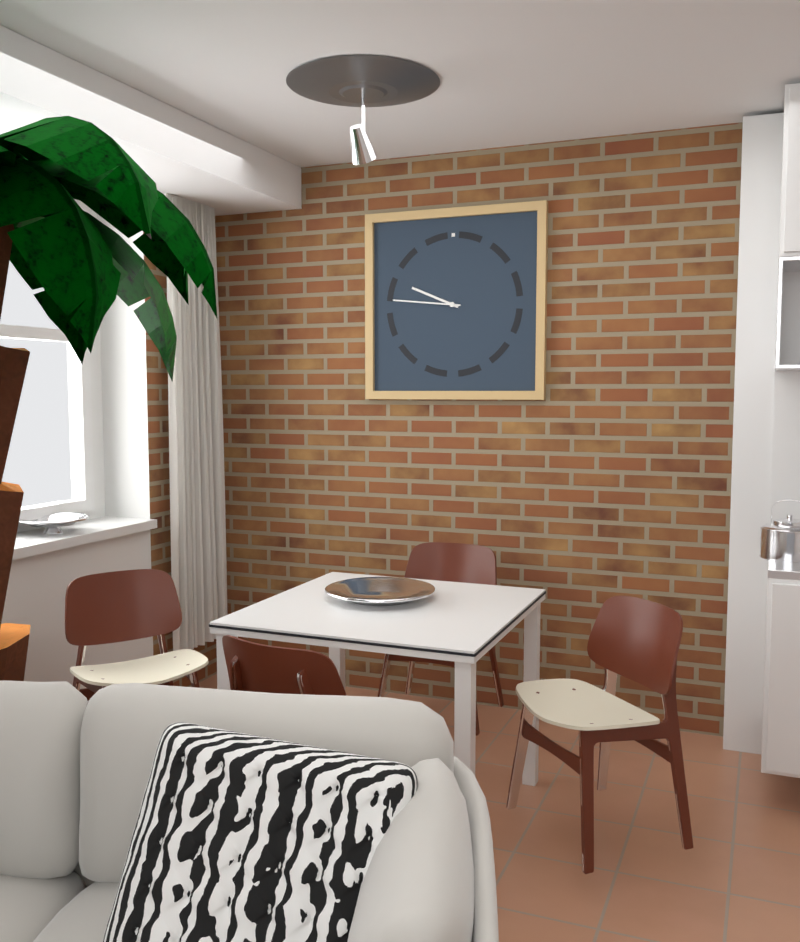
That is 9,46
